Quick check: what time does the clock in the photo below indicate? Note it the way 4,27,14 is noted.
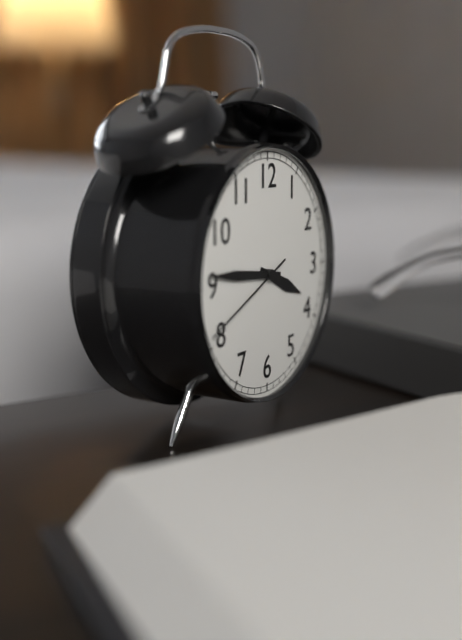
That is 3,46,41
